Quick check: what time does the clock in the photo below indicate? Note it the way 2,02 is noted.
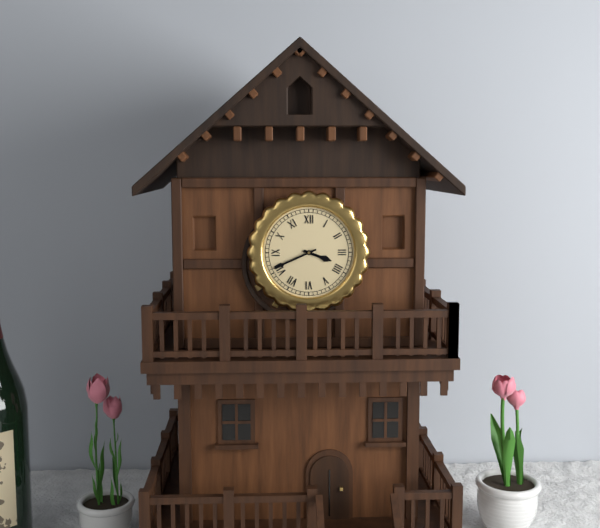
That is 3,41
